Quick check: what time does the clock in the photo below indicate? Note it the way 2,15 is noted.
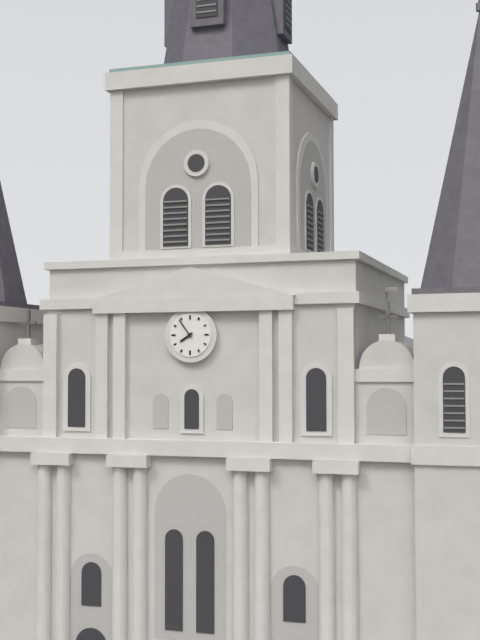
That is 7,54
